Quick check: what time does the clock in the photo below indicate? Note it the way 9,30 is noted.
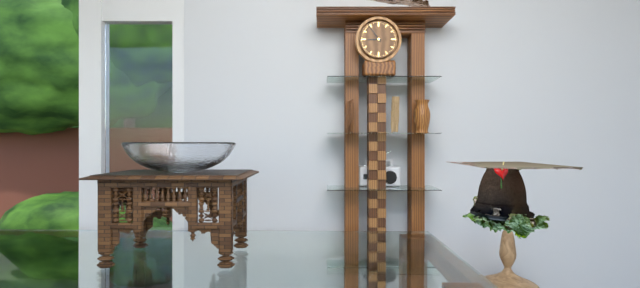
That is 8,54
